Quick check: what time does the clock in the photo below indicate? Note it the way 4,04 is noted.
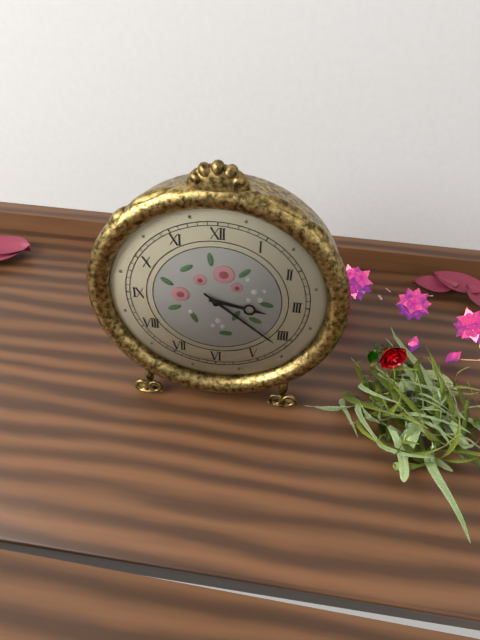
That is 3,21
